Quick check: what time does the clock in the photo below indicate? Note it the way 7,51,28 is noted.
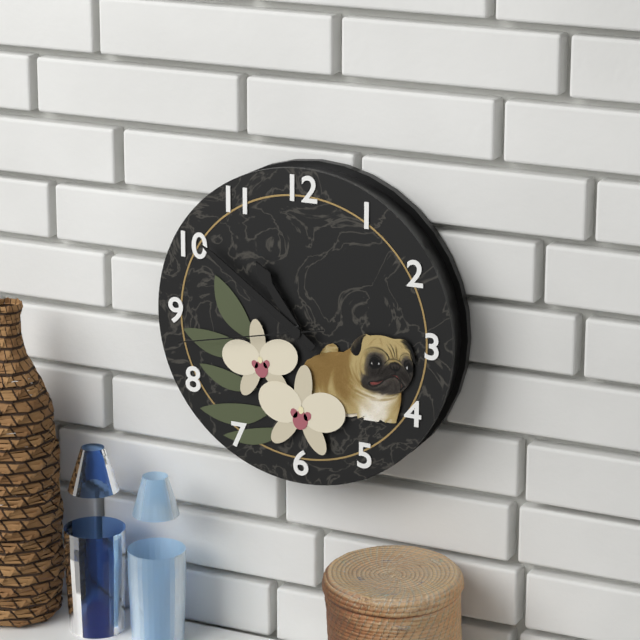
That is 10,51,43
